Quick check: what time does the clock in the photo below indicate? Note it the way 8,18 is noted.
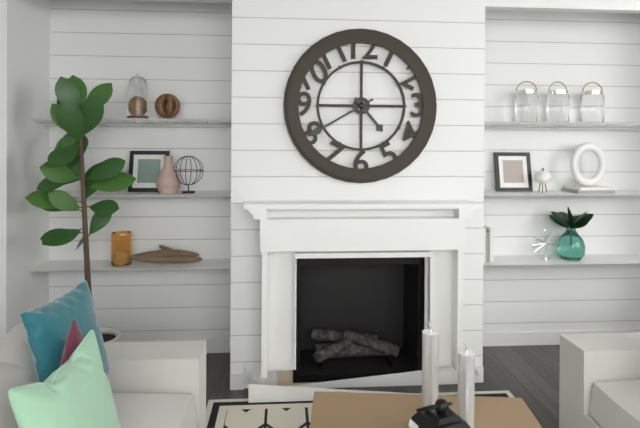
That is 4,40
